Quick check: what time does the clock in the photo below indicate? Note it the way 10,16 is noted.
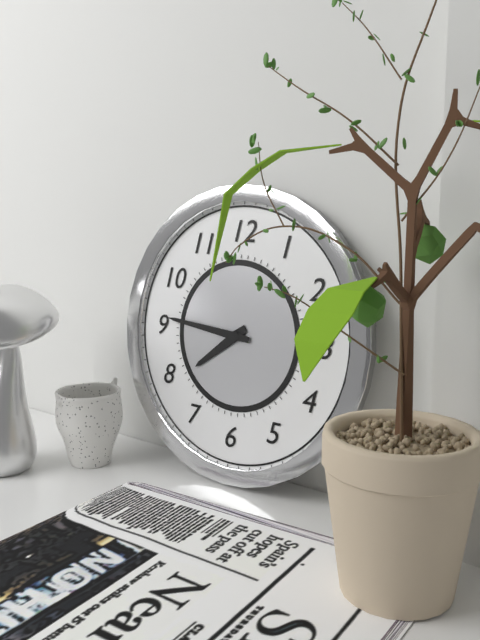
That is 7,46
